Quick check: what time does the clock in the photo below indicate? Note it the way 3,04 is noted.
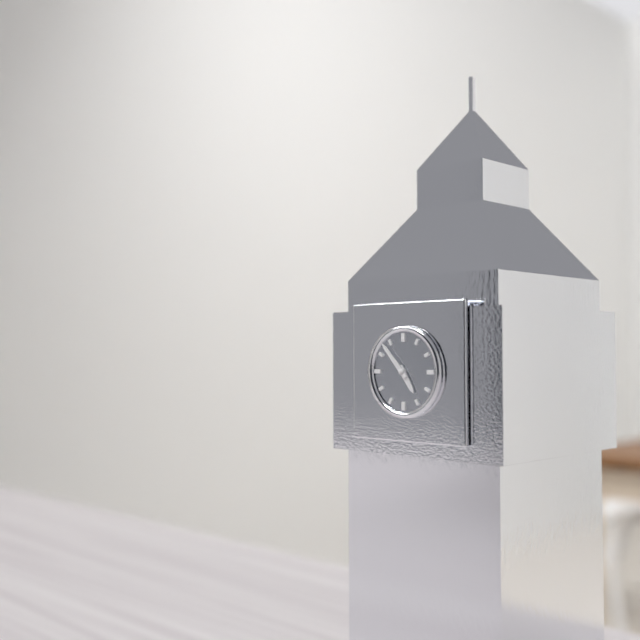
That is 4,53
